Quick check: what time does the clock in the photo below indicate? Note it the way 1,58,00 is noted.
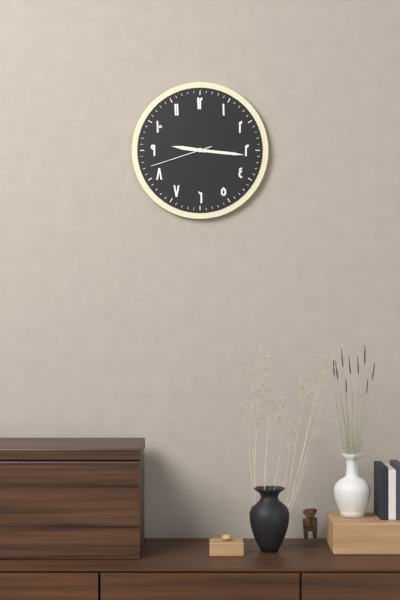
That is 9,16,42
